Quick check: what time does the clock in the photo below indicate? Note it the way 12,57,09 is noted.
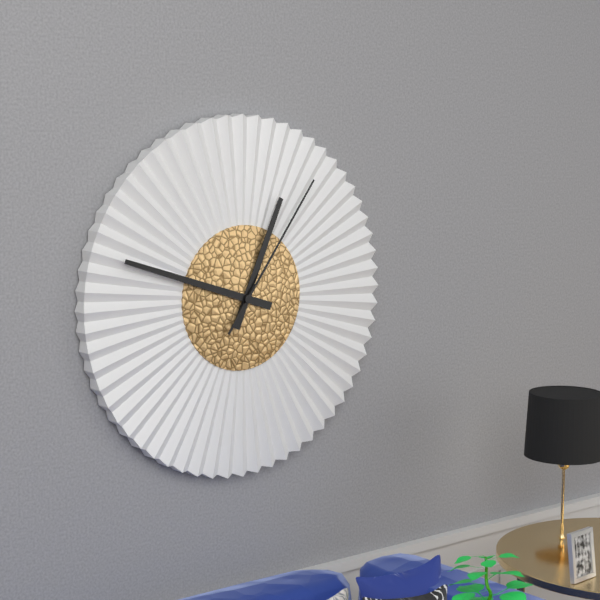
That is 12,48,06
